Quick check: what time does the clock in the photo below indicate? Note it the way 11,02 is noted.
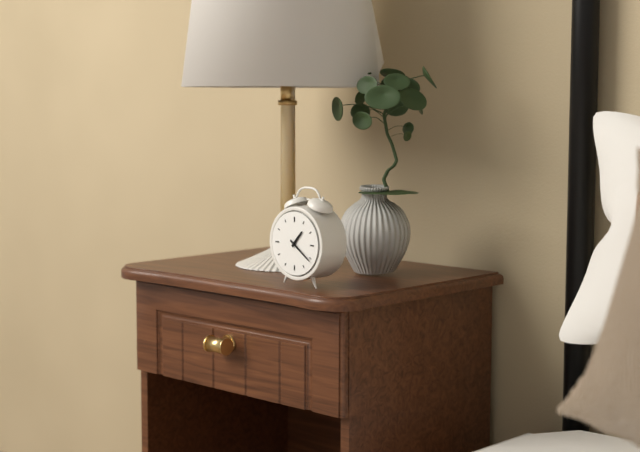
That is 1,21
